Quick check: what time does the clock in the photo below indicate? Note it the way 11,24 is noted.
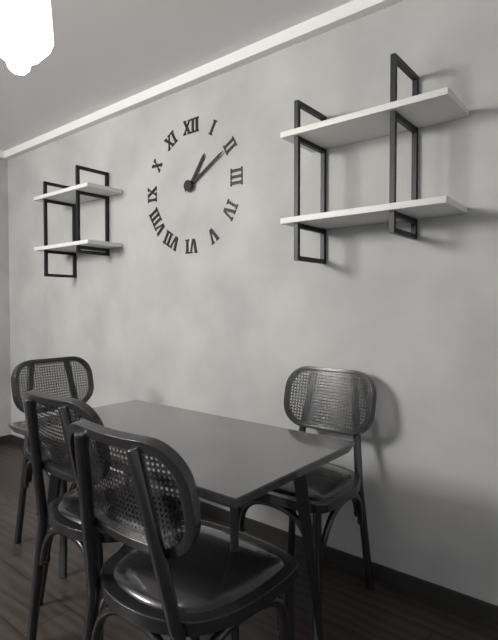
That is 1,10
